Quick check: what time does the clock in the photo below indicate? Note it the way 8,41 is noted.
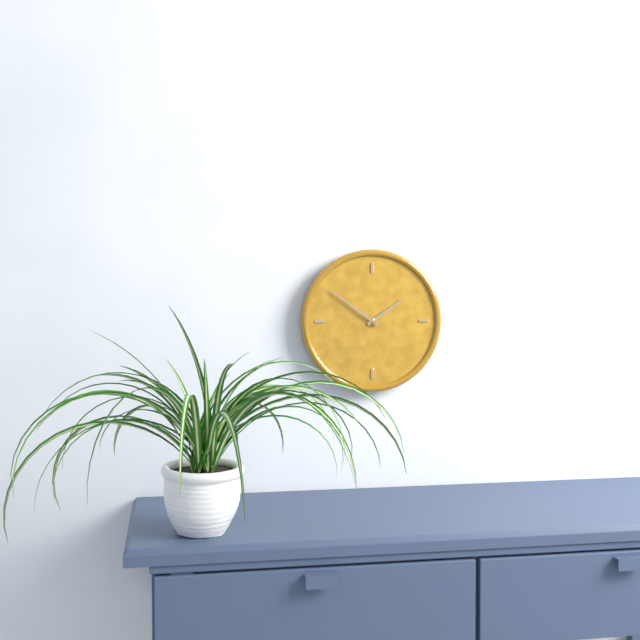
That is 1,51
